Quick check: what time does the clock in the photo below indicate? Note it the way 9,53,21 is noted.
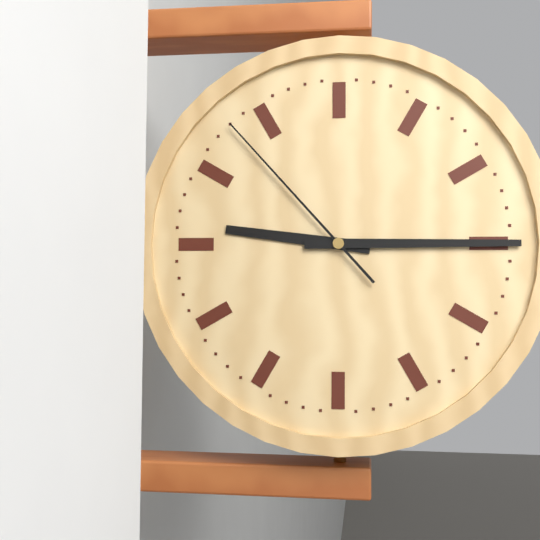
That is 9,15,53
